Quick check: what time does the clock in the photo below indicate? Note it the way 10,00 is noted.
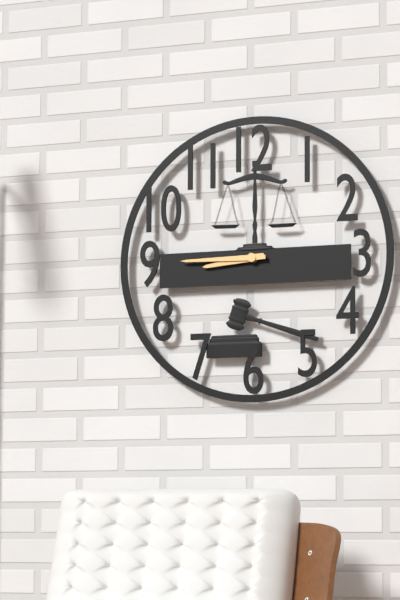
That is 8,45
